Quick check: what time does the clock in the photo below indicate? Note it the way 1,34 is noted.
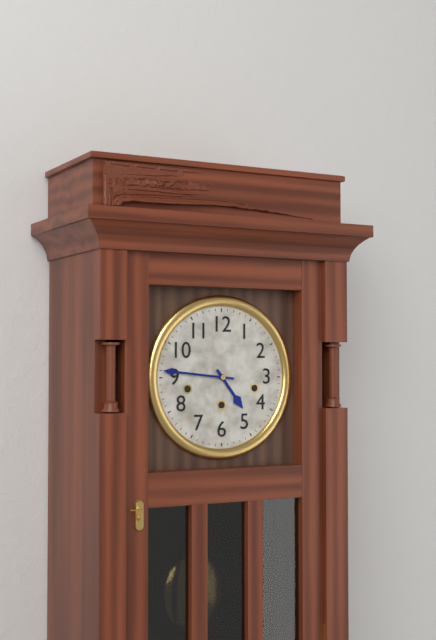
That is 4,46
